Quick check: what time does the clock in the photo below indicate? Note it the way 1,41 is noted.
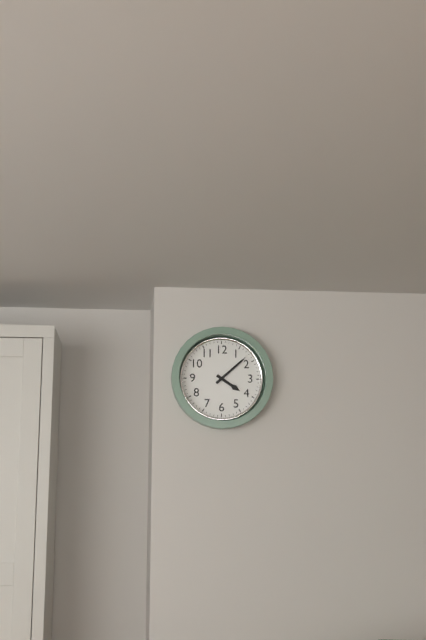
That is 4,08
